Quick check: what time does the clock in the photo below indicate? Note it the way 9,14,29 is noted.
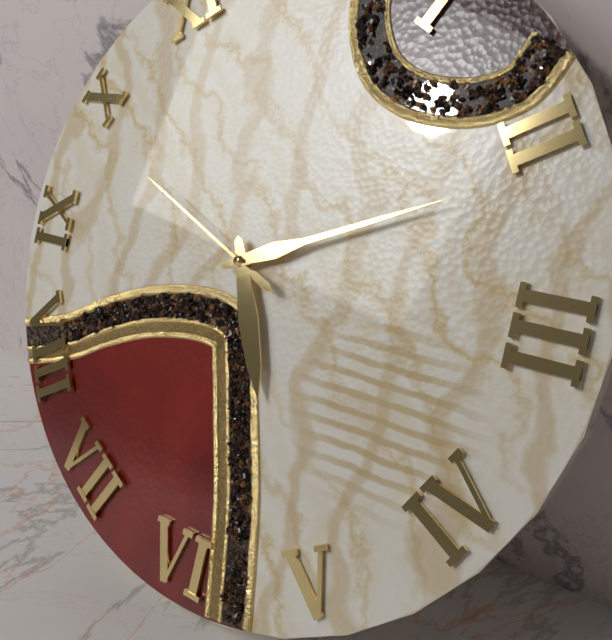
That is 5,11,49
